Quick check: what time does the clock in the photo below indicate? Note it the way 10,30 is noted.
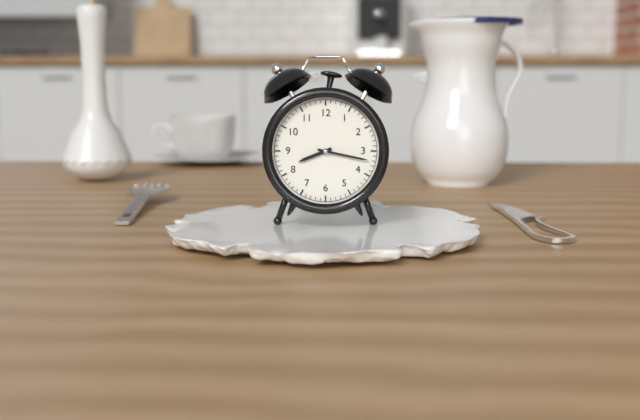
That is 8,17
